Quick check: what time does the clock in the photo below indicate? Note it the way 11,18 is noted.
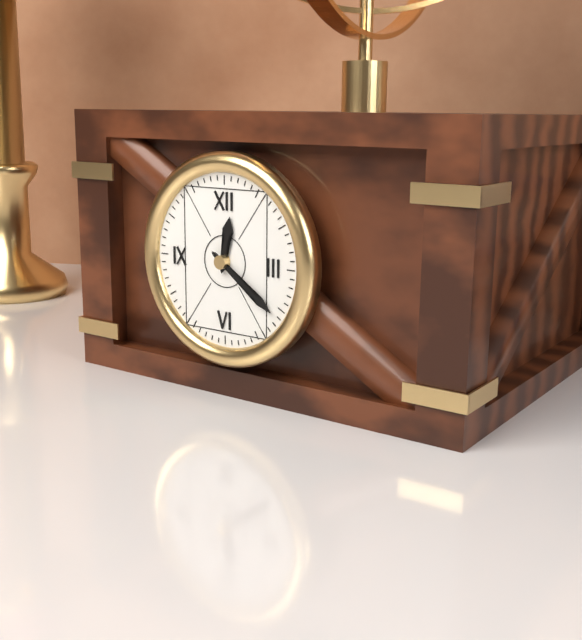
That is 12,21
